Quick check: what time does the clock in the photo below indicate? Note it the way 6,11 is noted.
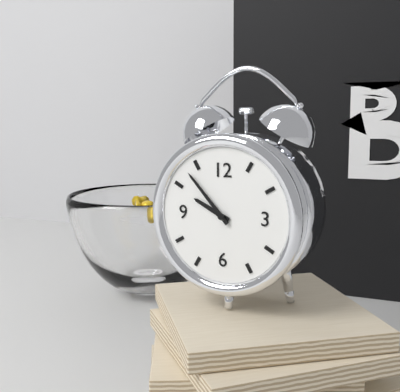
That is 9,53
